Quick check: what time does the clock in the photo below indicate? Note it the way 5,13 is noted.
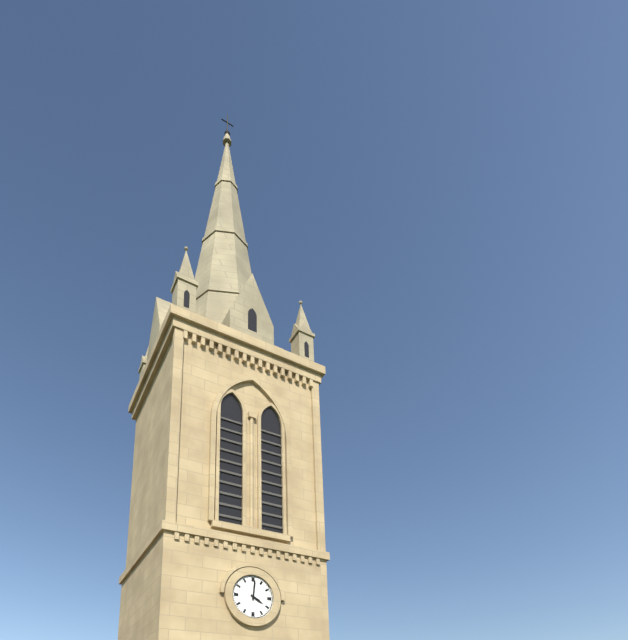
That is 4,01
